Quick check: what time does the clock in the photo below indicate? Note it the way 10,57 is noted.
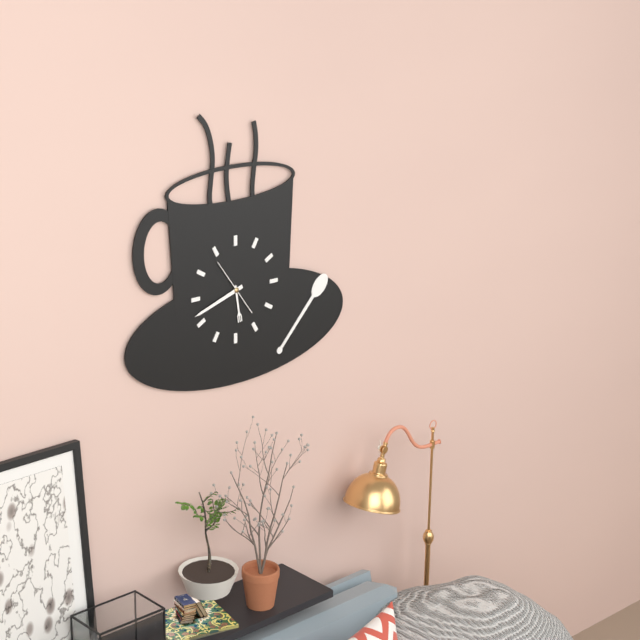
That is 5,42
